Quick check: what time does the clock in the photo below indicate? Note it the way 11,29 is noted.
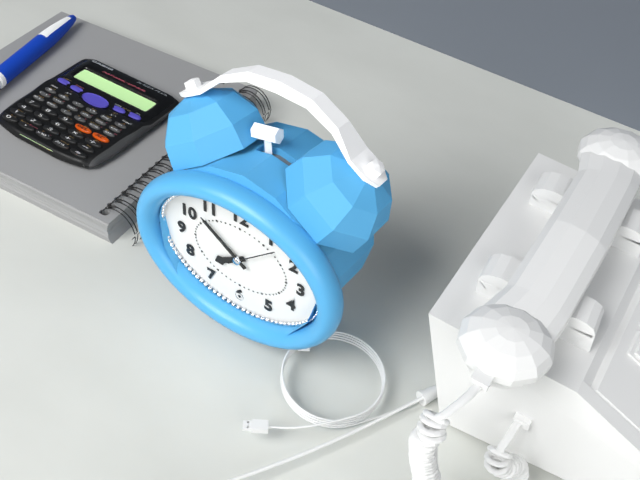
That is 7,51
